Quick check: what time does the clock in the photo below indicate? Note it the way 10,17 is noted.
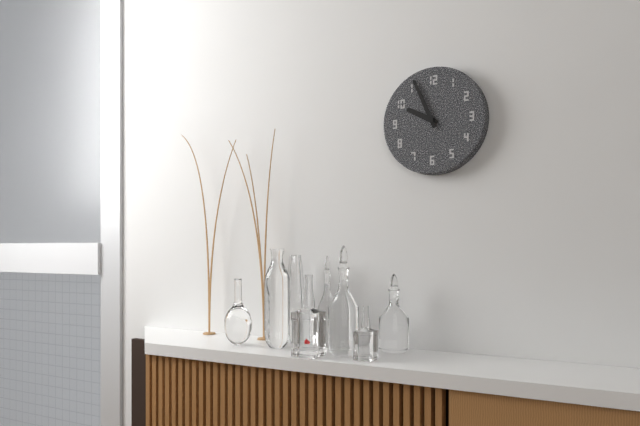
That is 9,56
